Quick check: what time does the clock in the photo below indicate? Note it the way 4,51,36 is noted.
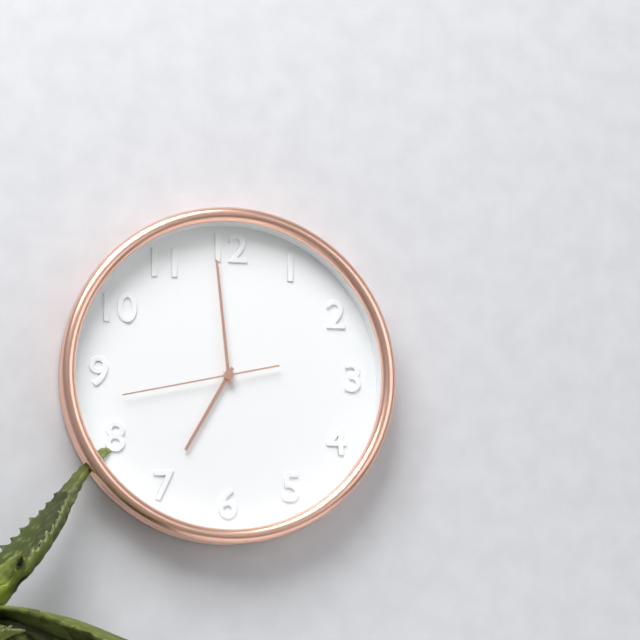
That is 6,59,43
